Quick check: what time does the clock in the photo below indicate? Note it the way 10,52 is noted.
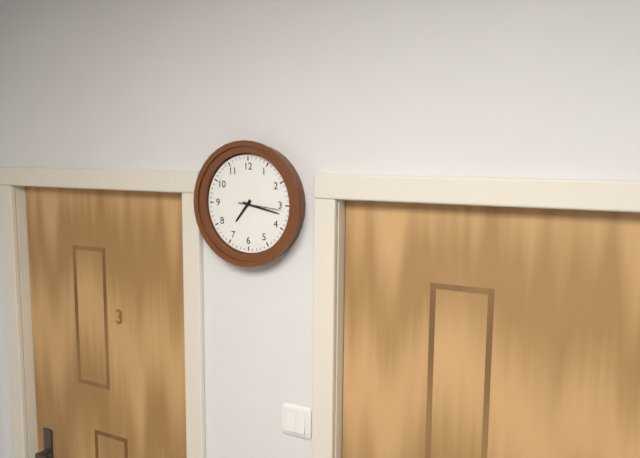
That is 7,17
